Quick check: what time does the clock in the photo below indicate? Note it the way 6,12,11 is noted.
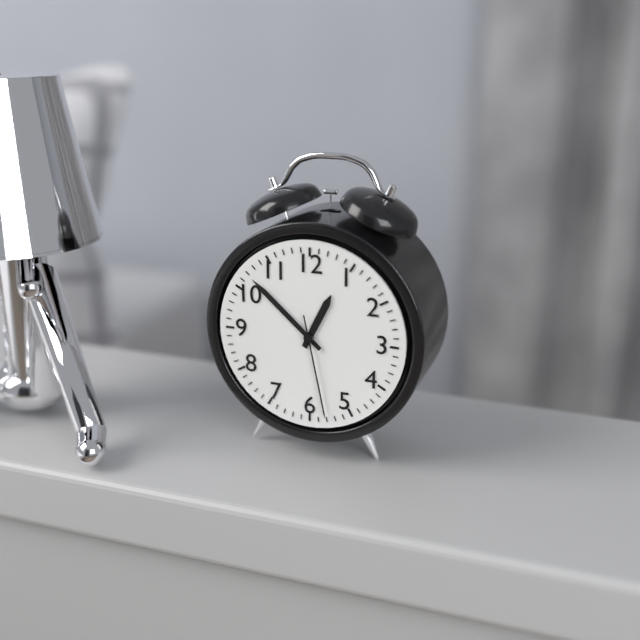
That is 12,52,28
